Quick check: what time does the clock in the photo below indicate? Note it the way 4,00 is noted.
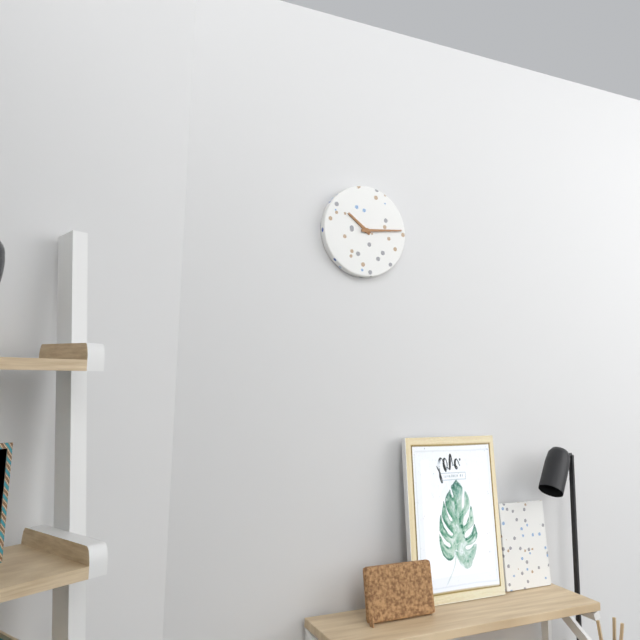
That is 10,14
